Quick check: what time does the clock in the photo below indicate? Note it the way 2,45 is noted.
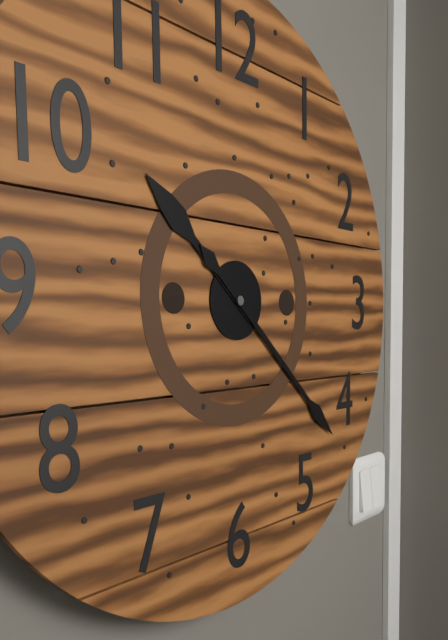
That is 10,22
